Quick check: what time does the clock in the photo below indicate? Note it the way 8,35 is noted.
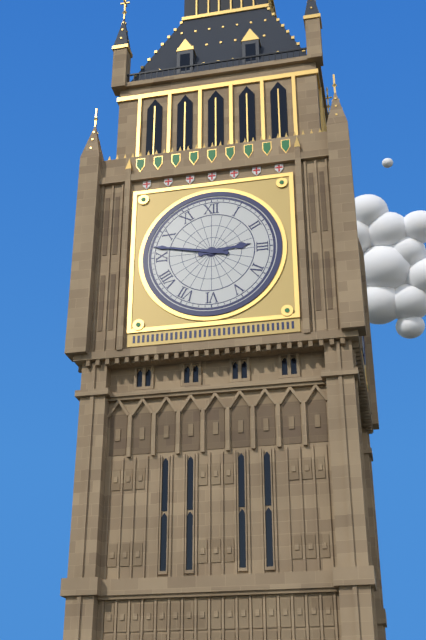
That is 2,47
